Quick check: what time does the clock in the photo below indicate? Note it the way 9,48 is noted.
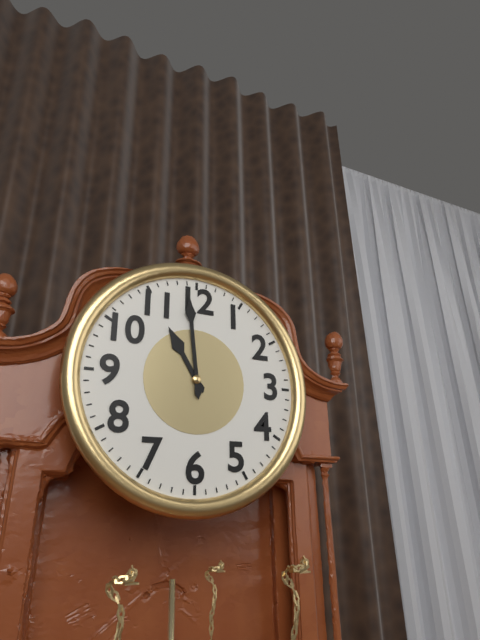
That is 10,59
